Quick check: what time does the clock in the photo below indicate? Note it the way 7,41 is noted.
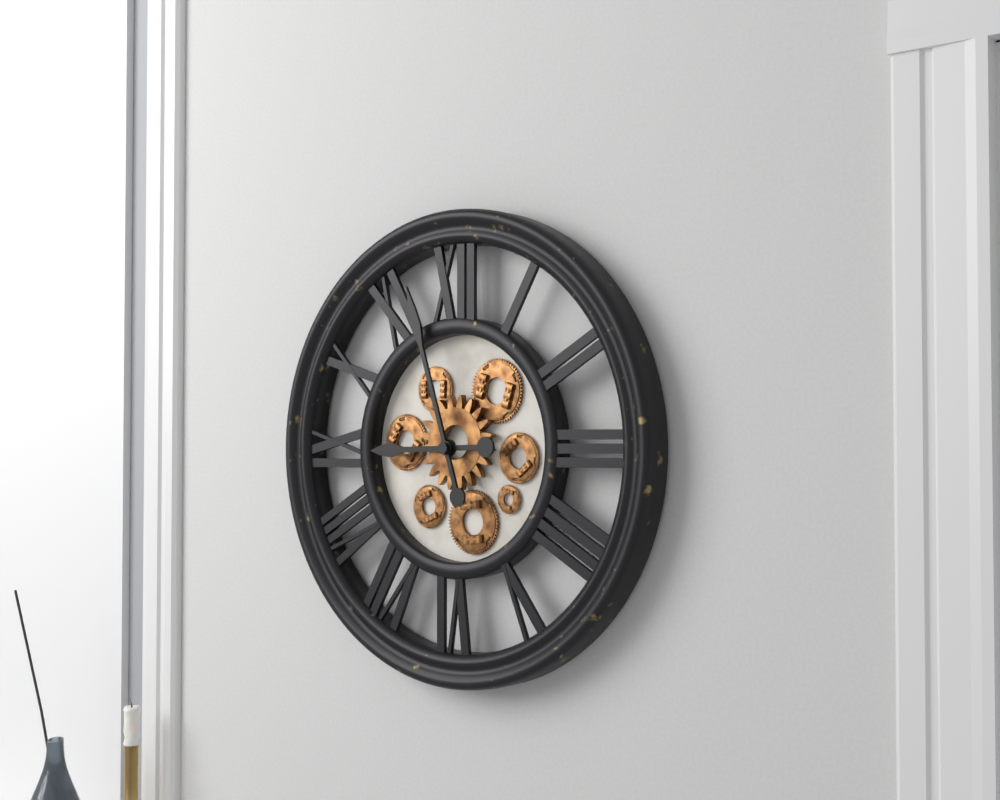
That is 8,57
